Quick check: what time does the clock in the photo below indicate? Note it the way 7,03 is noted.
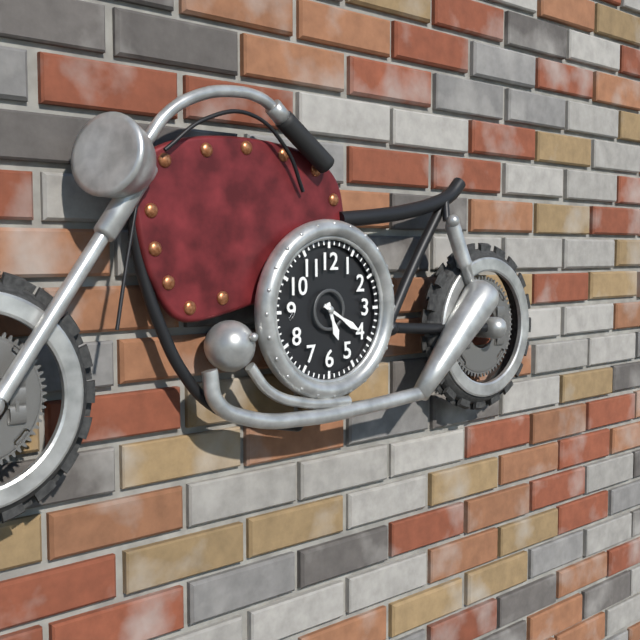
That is 5,20
